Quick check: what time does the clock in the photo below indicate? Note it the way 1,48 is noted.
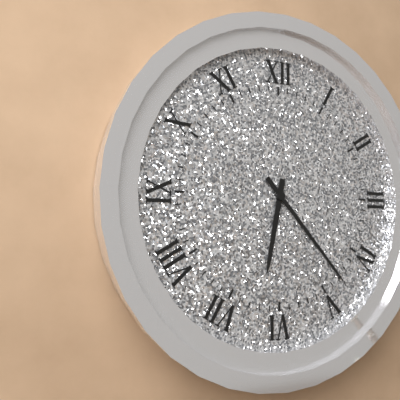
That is 6,23
